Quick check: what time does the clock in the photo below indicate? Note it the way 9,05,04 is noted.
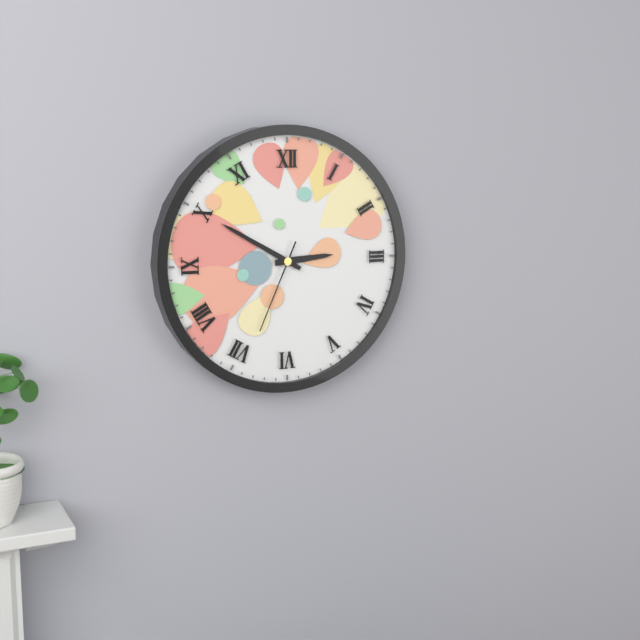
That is 2,50,34
